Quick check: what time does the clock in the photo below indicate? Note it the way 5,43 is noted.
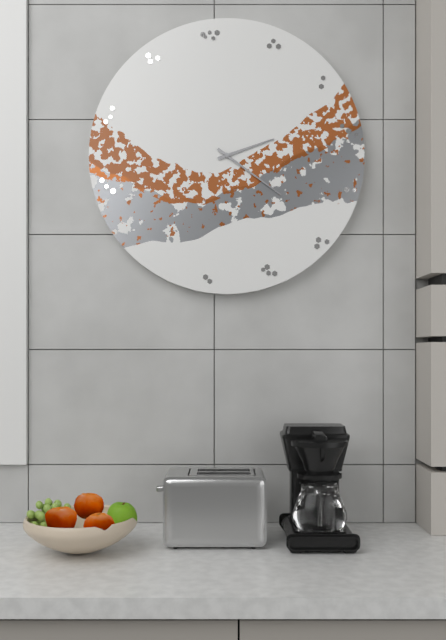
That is 2,21
